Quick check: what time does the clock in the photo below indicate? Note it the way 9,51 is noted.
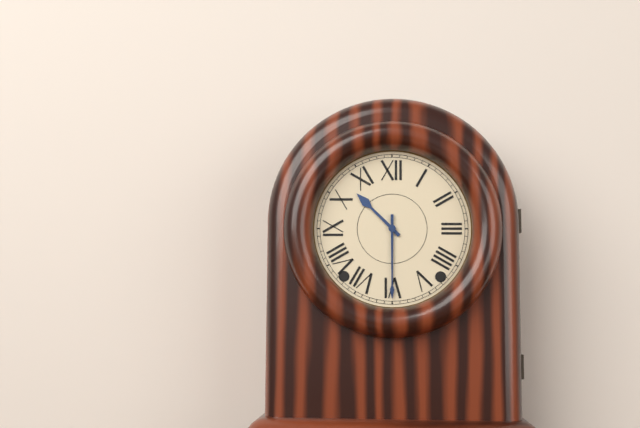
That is 10,30
